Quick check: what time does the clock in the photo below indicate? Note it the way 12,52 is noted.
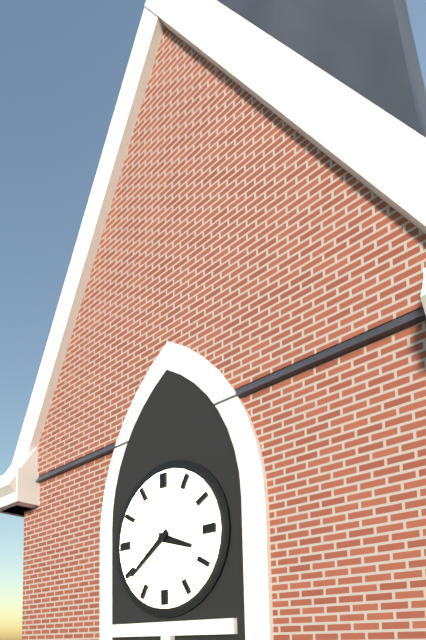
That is 3,39
